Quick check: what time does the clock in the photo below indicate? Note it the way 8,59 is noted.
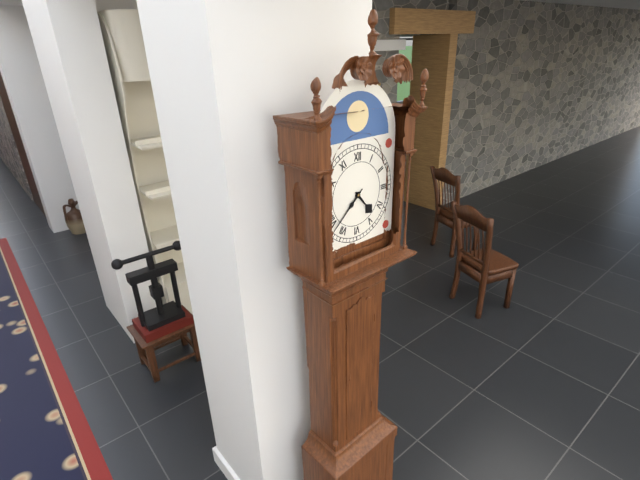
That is 4,38
